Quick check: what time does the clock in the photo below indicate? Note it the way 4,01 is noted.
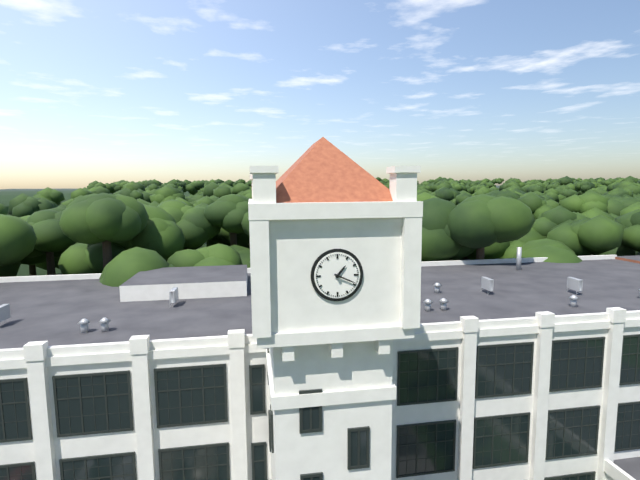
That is 1,19
